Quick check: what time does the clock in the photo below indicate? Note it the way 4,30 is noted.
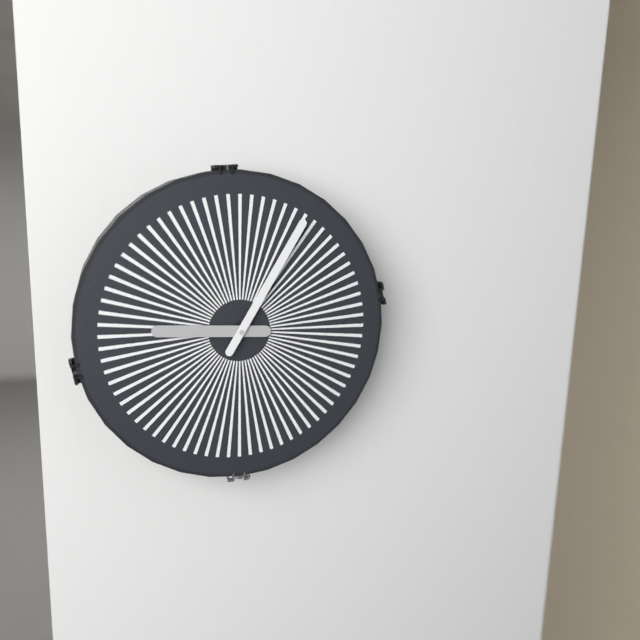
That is 9,05
